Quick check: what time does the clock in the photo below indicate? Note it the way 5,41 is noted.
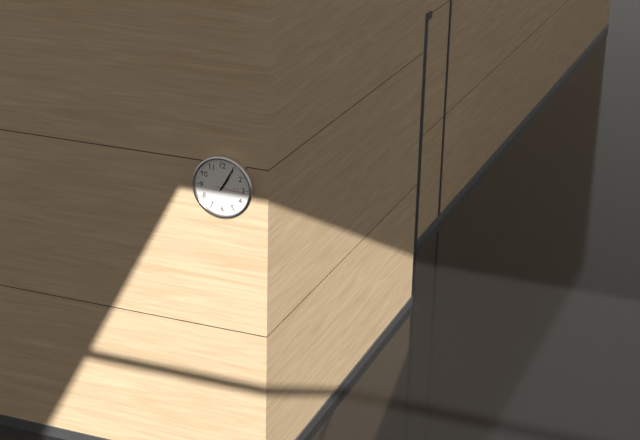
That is 1,05
